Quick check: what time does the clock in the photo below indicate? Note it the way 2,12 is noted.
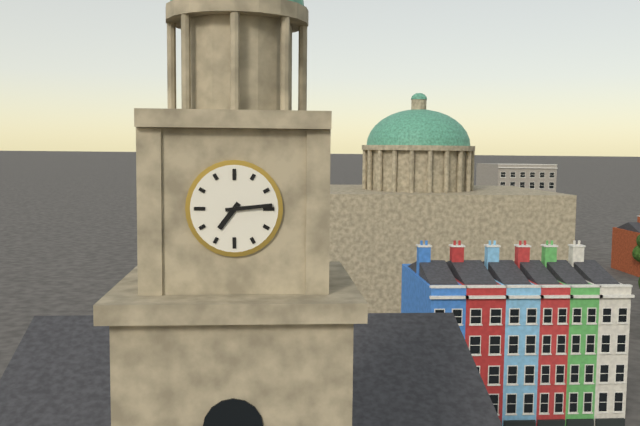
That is 7,14
